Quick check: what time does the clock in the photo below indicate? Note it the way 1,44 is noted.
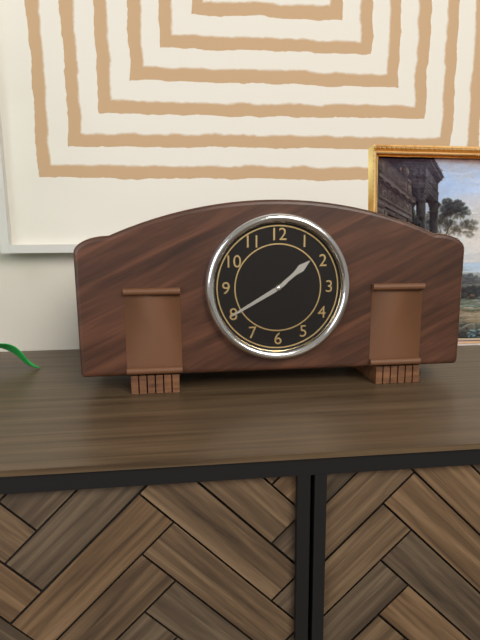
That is 1,40
